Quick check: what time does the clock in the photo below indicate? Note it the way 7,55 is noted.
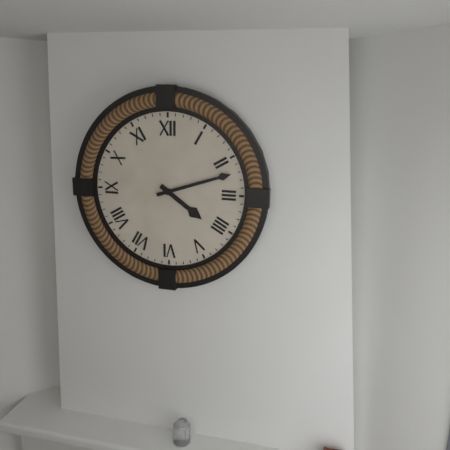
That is 4,12
